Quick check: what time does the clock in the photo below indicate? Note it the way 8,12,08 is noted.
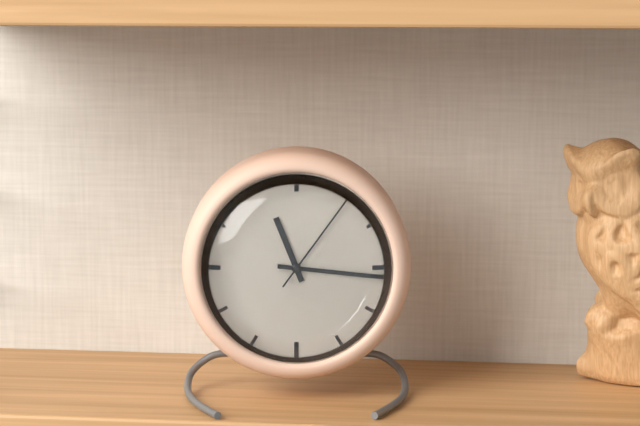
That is 11,16,06
